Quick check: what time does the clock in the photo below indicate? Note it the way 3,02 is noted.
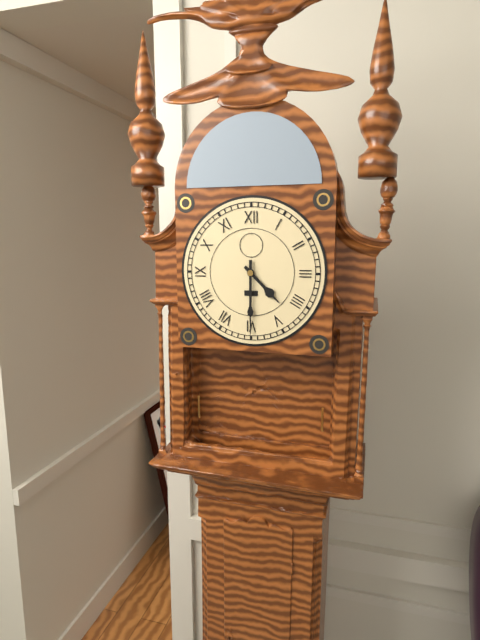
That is 4,30
